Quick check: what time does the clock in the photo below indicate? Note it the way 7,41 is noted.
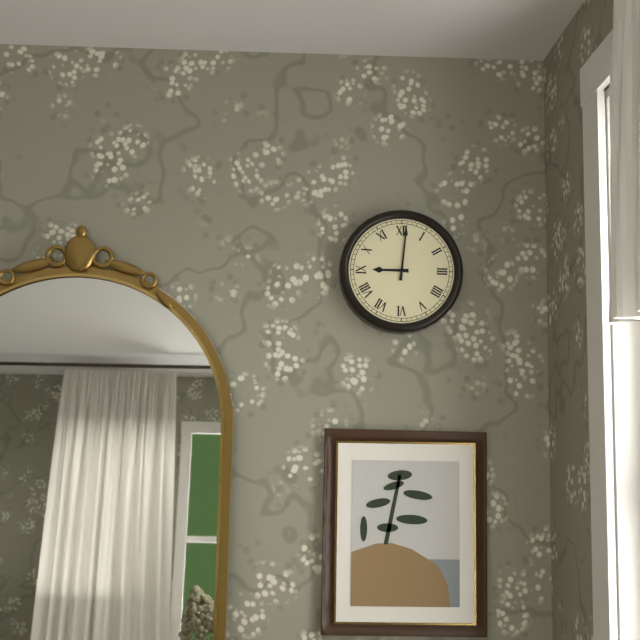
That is 9,01
